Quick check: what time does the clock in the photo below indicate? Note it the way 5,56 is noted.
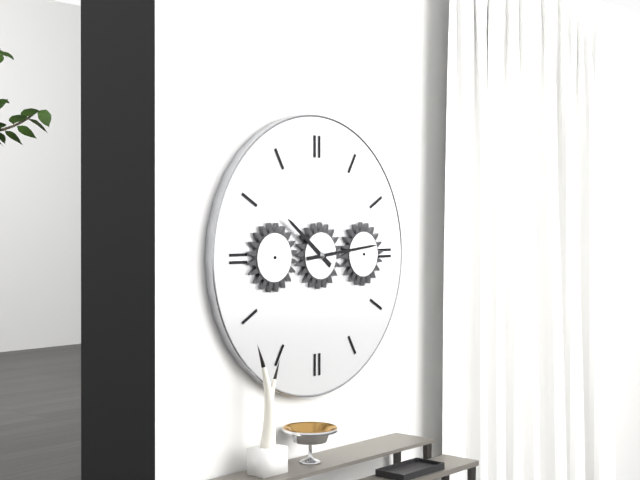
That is 10,14
